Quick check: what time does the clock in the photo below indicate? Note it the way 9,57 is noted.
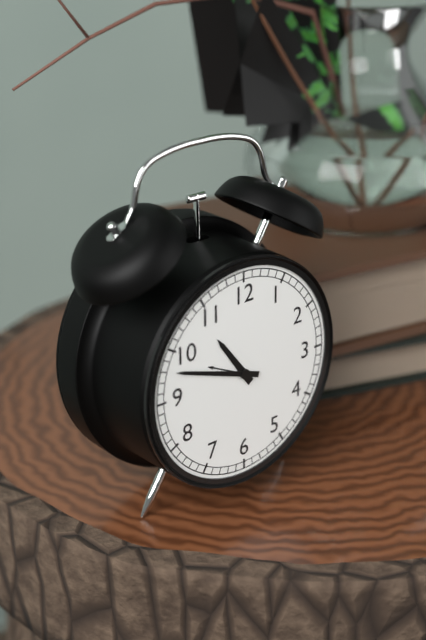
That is 10,48
